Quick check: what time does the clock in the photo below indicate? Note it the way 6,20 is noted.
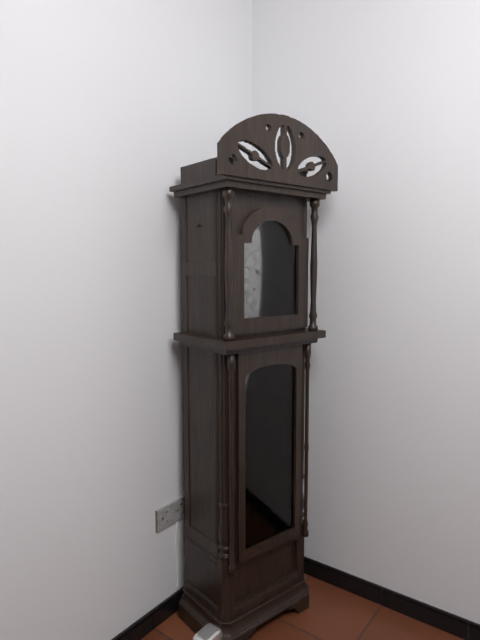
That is 10,23
